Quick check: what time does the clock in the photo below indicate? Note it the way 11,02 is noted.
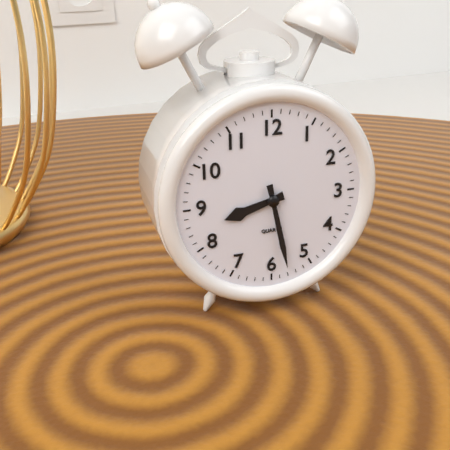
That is 8,28
